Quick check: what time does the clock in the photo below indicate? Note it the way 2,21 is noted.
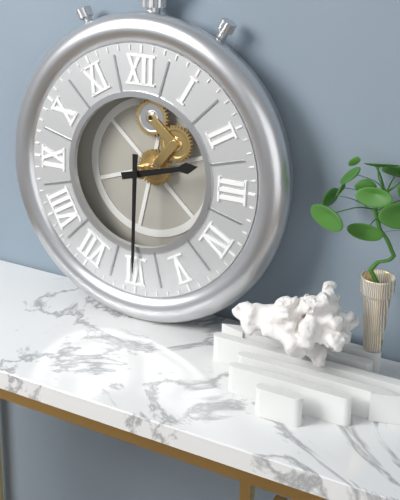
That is 2,30
